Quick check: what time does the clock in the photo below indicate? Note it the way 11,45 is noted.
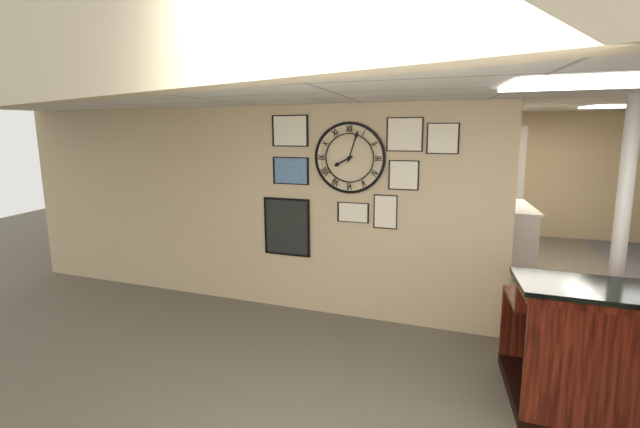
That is 8,03
